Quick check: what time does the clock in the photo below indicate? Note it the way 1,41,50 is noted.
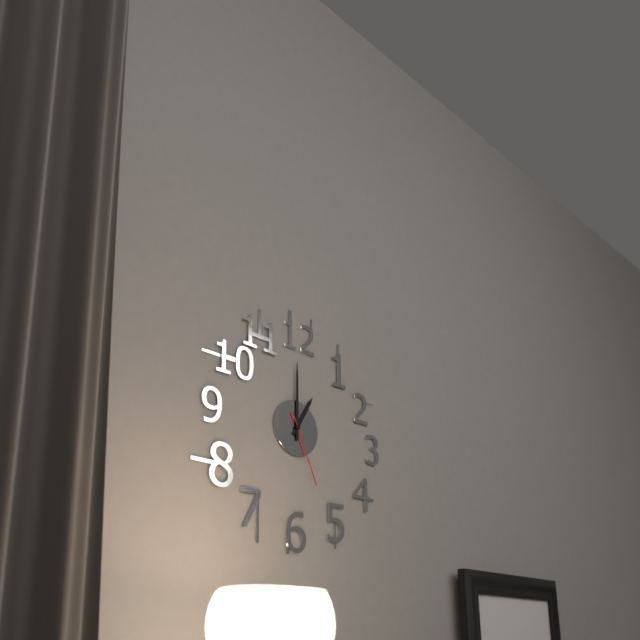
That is 1,00,26
